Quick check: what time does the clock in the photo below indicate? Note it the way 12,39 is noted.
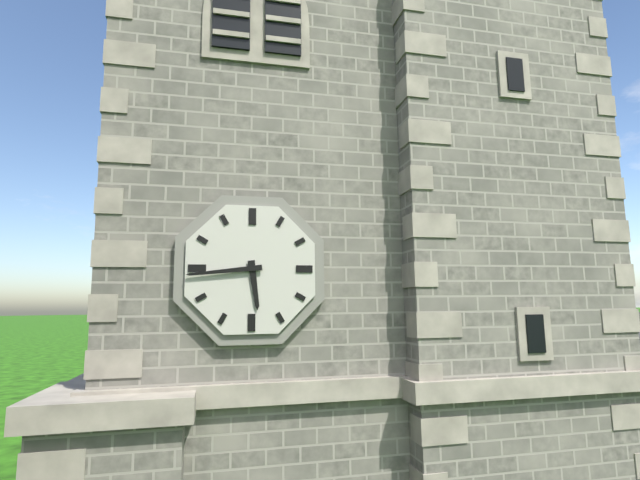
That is 5,44
